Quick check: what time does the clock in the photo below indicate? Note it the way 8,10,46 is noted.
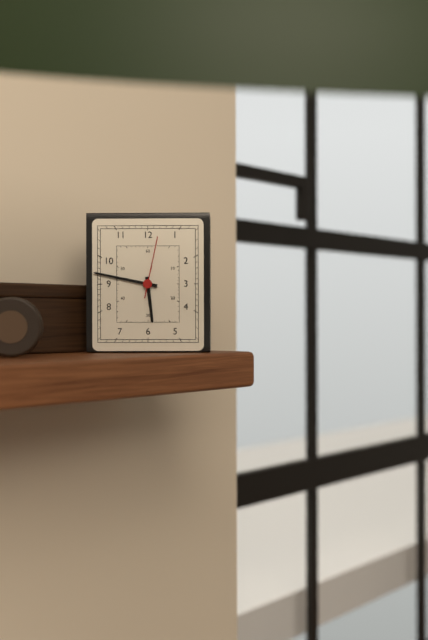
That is 5,47,02
